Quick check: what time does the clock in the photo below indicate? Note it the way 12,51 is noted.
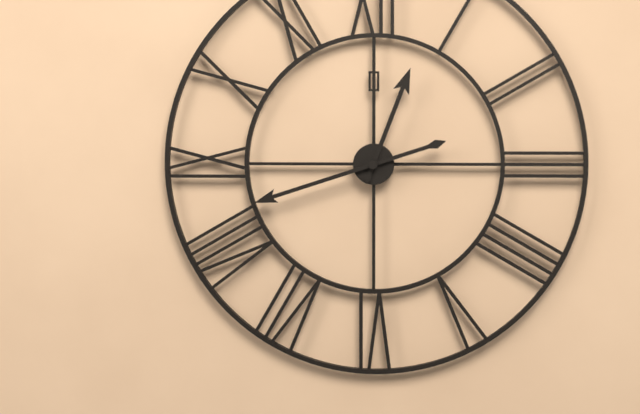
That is 12,42
